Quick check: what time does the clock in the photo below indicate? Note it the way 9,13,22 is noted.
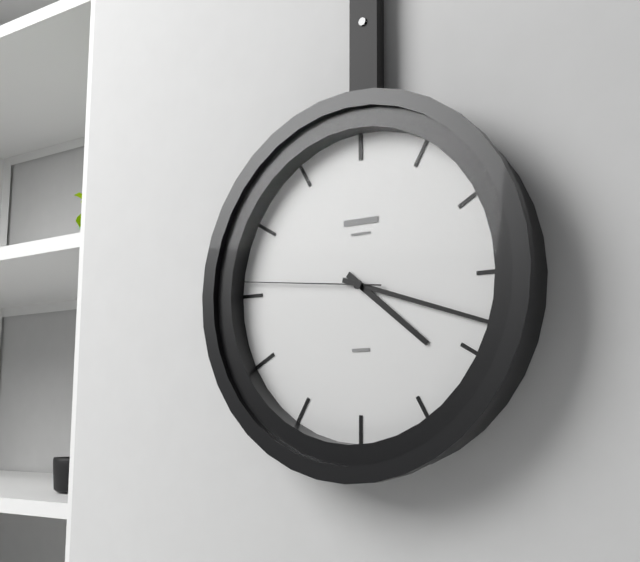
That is 4,18,46
